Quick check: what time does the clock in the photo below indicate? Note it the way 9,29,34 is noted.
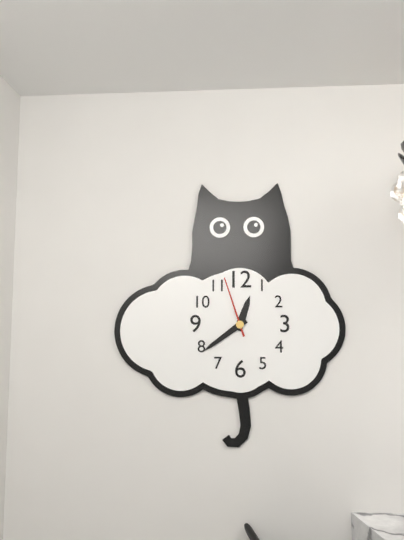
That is 12,39,57
